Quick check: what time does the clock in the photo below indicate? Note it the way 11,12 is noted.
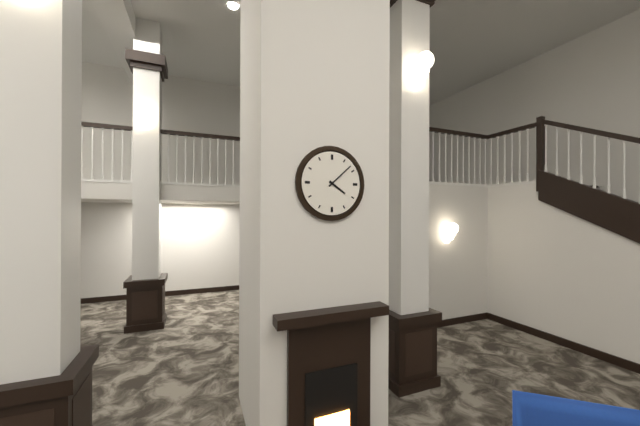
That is 4,08
